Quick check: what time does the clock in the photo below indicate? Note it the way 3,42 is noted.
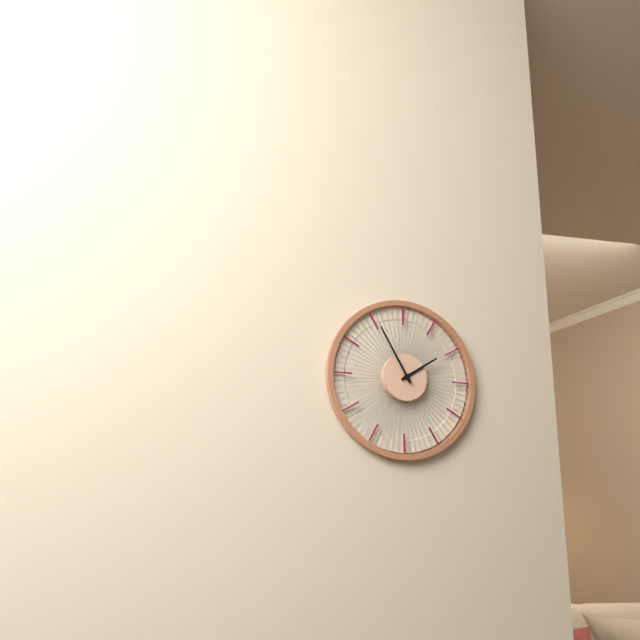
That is 1,55
